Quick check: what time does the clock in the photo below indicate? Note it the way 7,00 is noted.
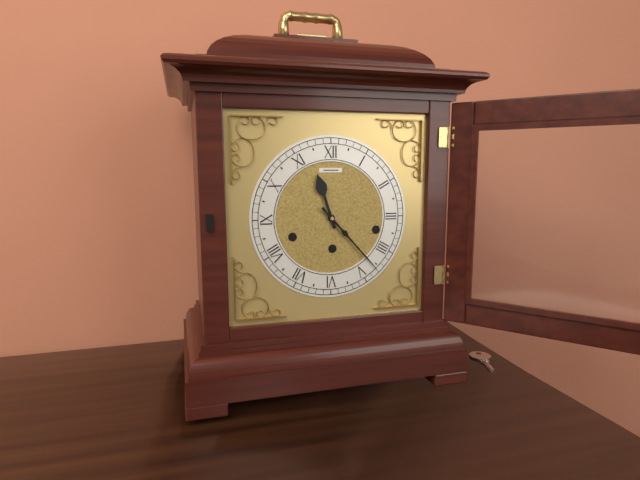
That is 11,23
